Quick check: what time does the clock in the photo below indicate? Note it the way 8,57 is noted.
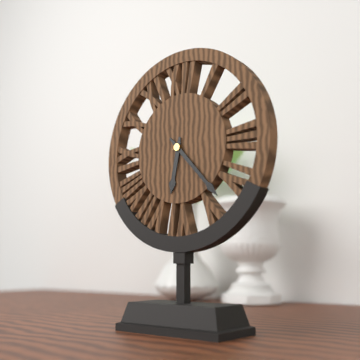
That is 6,23
